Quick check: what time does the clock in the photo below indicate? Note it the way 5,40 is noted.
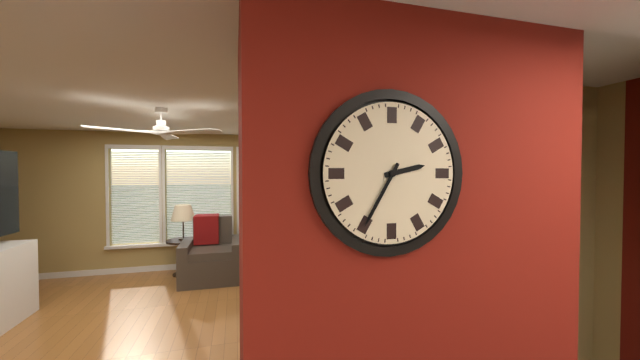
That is 2,35
